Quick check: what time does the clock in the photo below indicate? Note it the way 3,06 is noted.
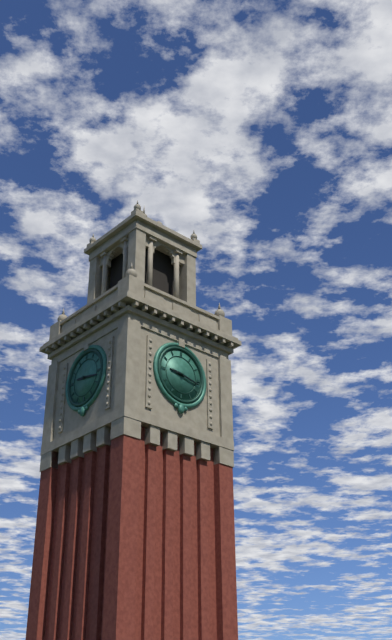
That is 9,17
